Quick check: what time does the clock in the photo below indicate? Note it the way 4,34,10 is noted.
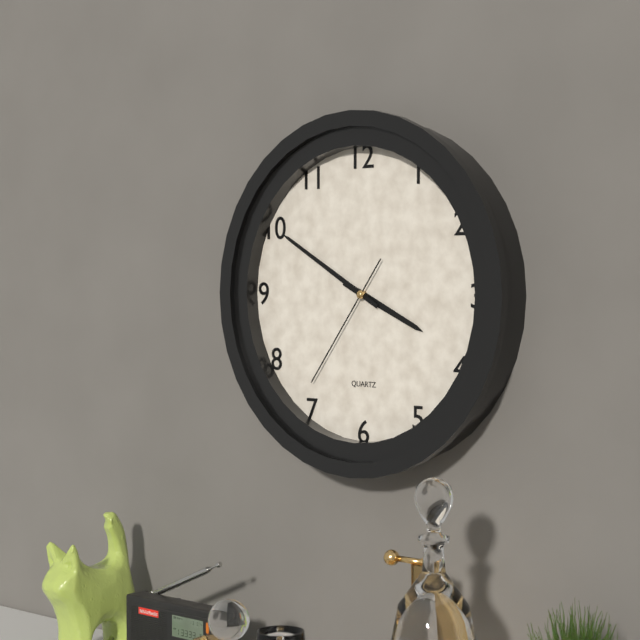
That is 3,50,36
